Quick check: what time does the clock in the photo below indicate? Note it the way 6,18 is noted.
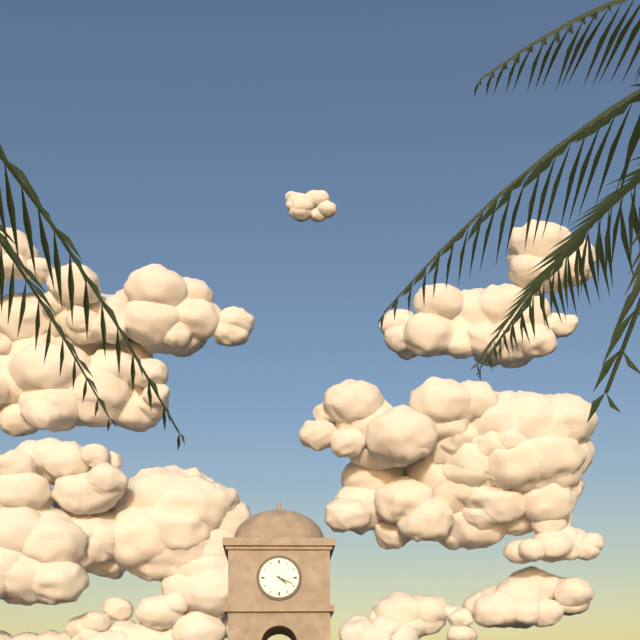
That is 4,19
